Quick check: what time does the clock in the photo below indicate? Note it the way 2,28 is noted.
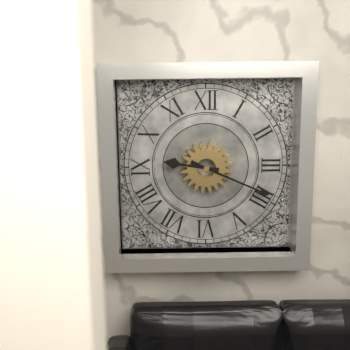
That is 9,19
